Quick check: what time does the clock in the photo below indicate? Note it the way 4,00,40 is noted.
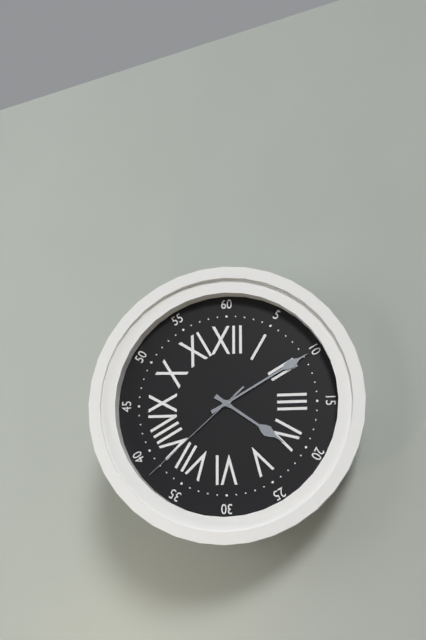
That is 4,10,38
